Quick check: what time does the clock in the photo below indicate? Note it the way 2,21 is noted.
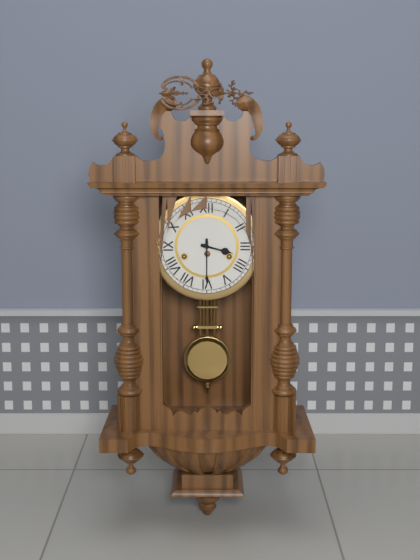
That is 3,30
